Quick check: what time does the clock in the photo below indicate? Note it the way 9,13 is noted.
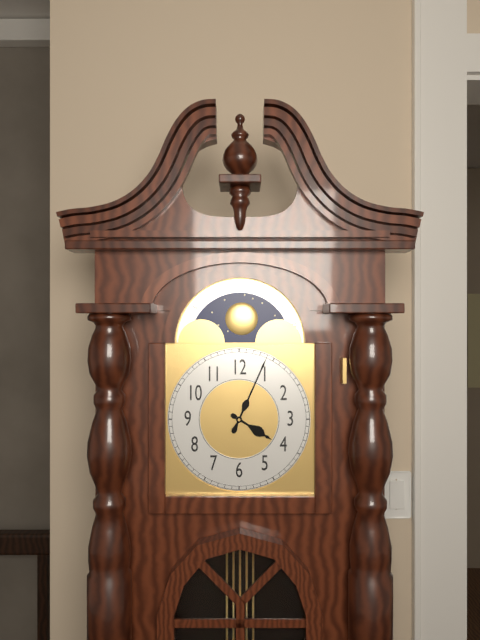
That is 4,04
